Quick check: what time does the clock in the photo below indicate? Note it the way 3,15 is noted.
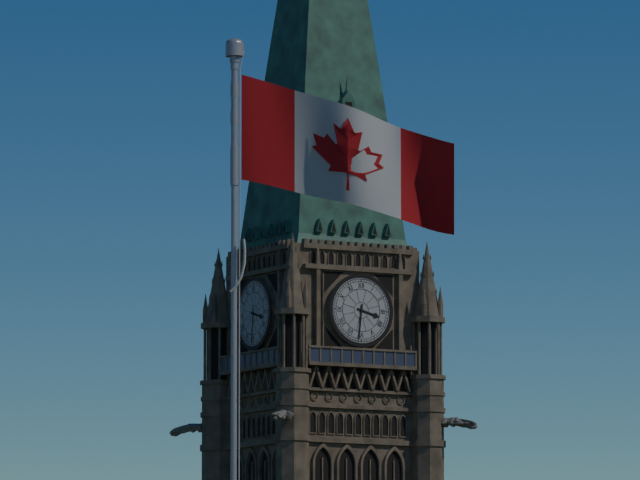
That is 3,31
